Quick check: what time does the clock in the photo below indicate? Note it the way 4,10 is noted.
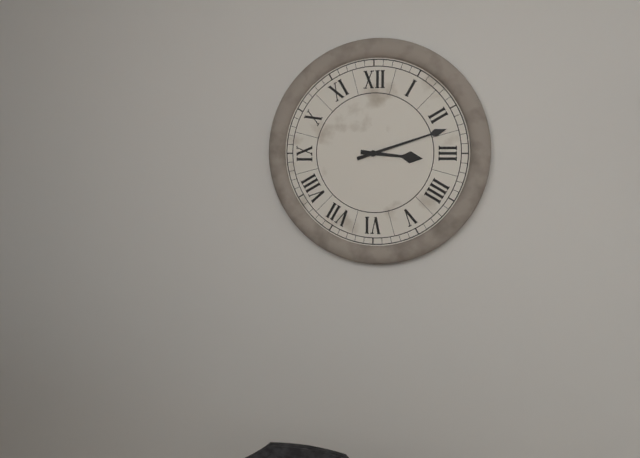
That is 3,12
